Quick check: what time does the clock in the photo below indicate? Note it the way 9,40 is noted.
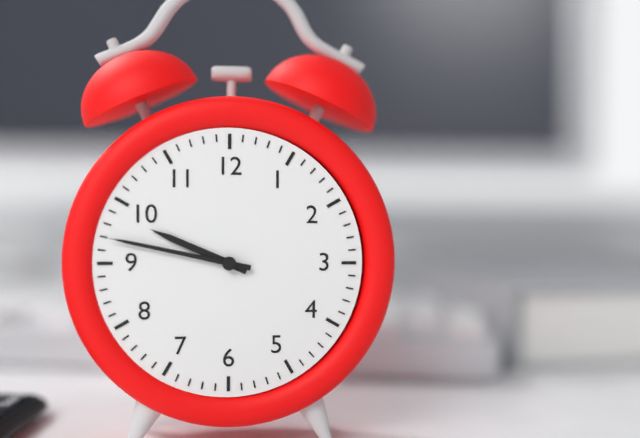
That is 9,47
